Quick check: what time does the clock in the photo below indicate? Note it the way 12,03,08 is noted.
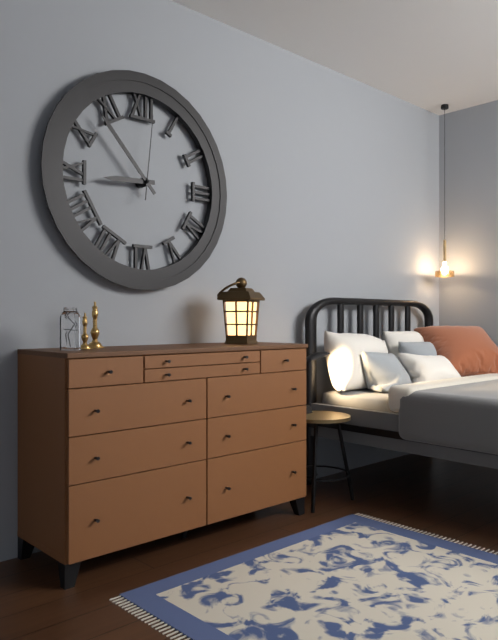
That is 8,53,01
